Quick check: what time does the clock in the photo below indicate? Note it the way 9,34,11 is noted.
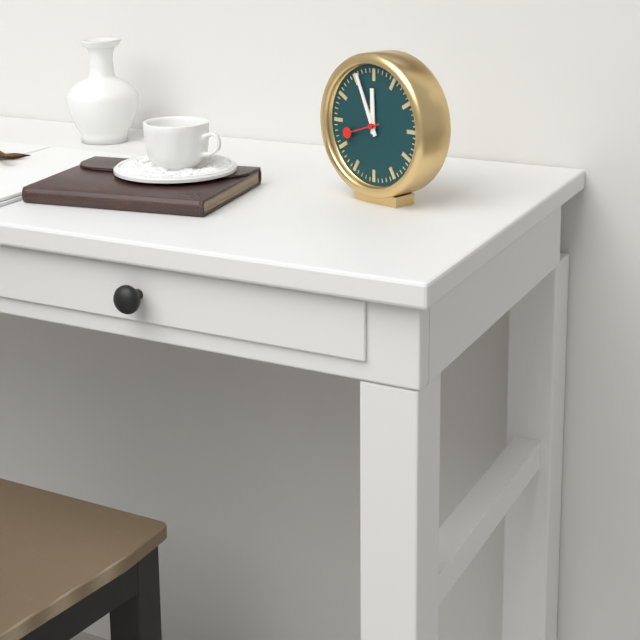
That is 11,56,42
